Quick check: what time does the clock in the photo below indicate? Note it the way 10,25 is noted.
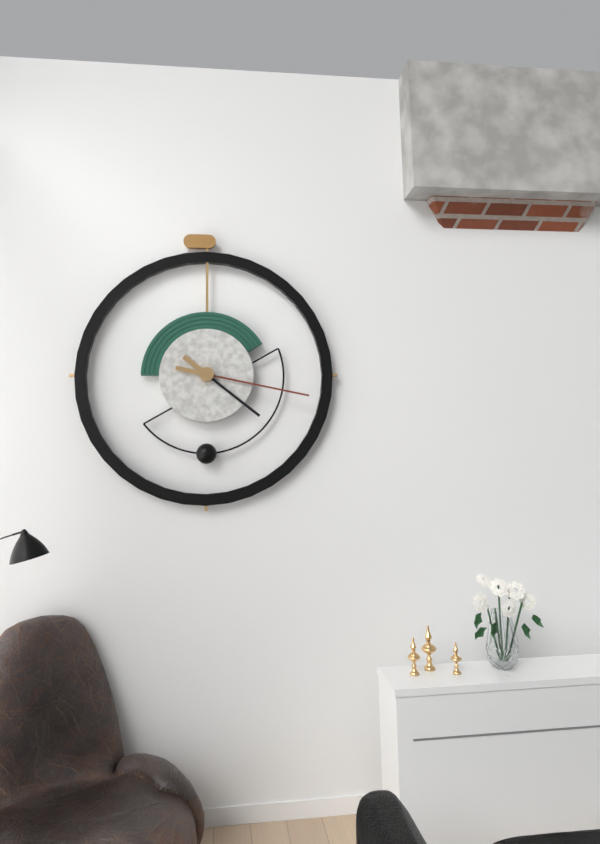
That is 4,17
